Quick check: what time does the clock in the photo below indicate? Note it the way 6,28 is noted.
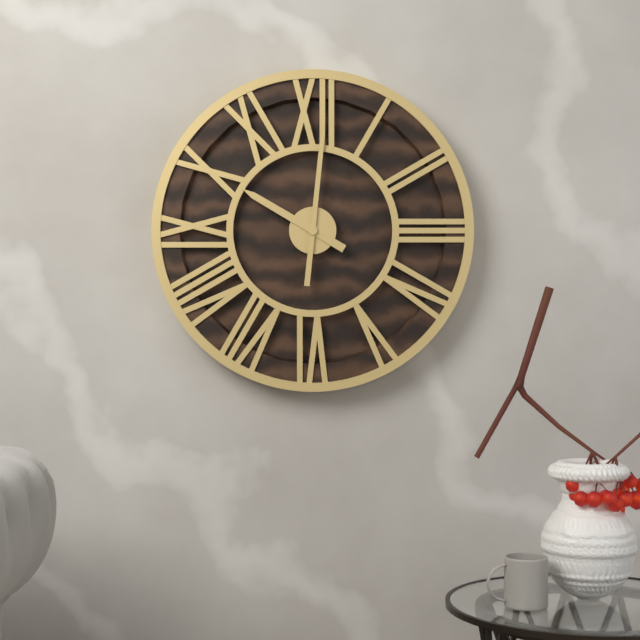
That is 10,01
